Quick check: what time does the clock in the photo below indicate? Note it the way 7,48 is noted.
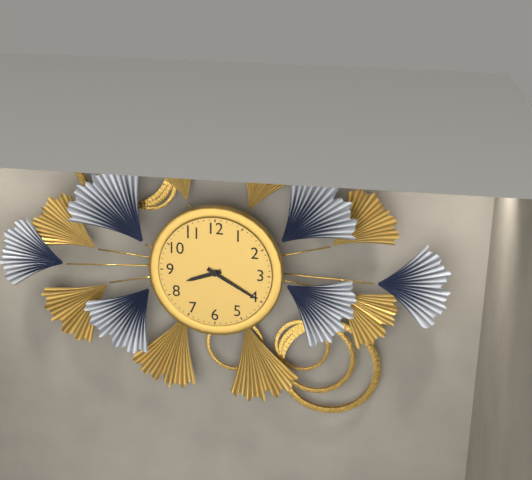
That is 8,20
